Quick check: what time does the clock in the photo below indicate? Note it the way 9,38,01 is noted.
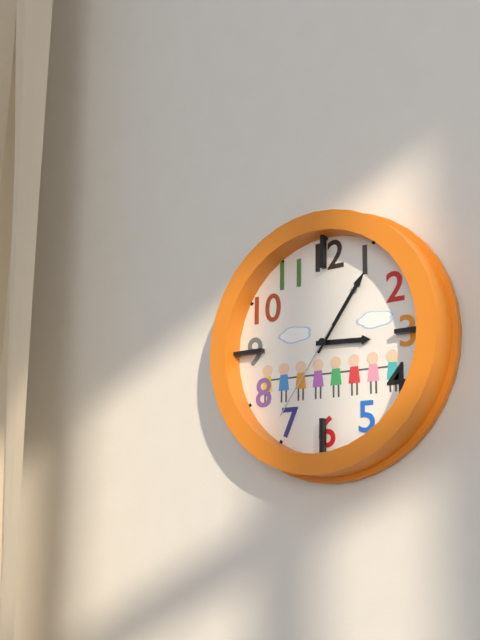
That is 3,06,36
